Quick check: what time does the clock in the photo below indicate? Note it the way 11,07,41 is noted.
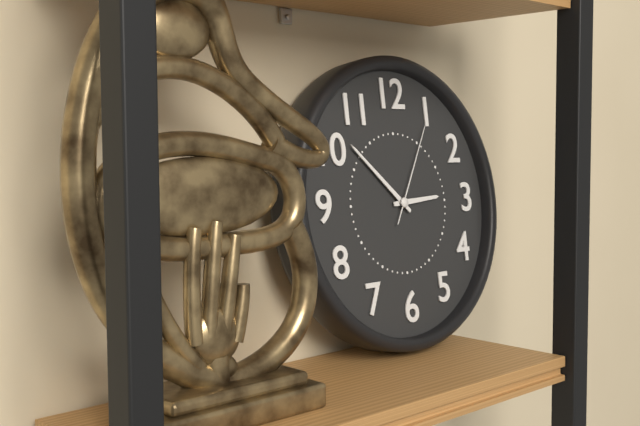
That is 2,52,05
